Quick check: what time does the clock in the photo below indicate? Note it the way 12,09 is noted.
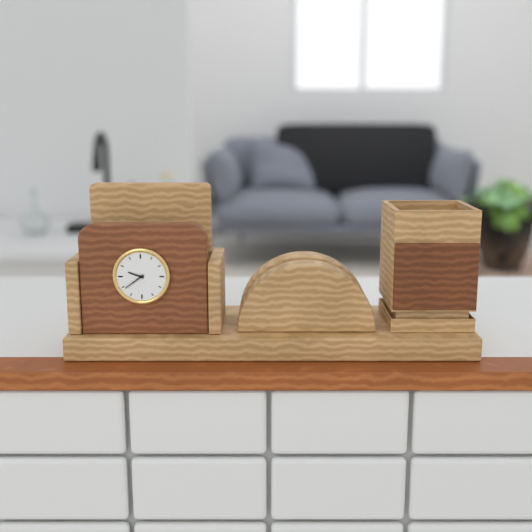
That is 9,39
